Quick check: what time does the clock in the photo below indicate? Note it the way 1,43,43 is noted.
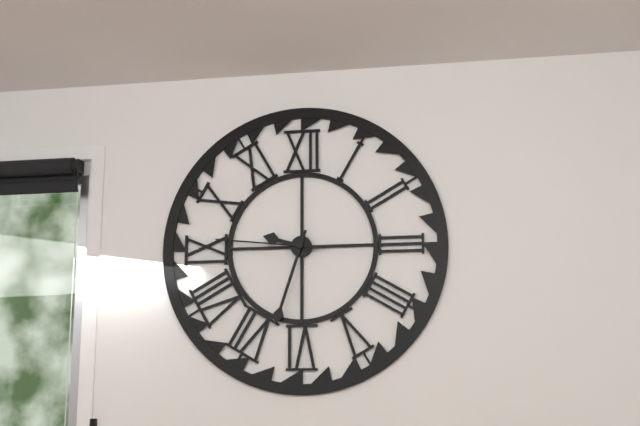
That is 9,33,46
